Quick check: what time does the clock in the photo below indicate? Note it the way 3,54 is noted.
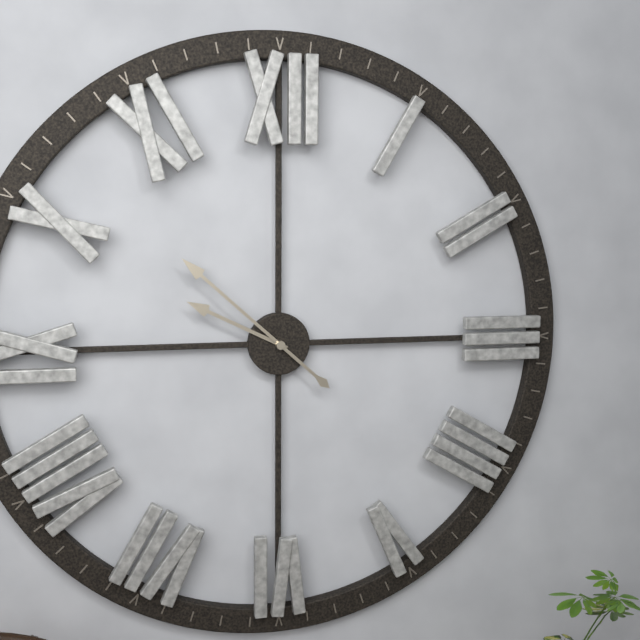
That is 9,52
